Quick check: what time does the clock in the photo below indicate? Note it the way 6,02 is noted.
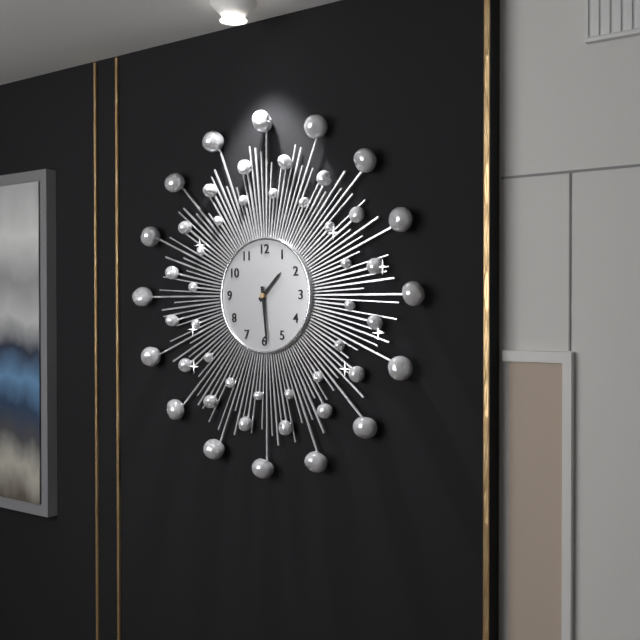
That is 1,29
